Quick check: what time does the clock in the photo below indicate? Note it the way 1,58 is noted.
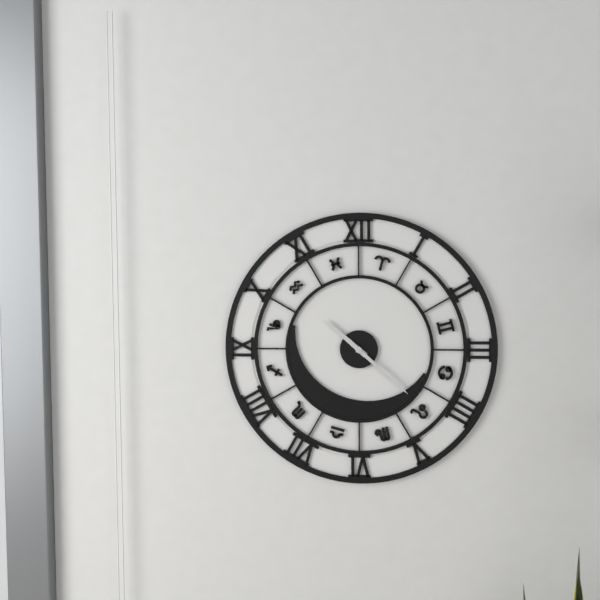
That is 10,22
